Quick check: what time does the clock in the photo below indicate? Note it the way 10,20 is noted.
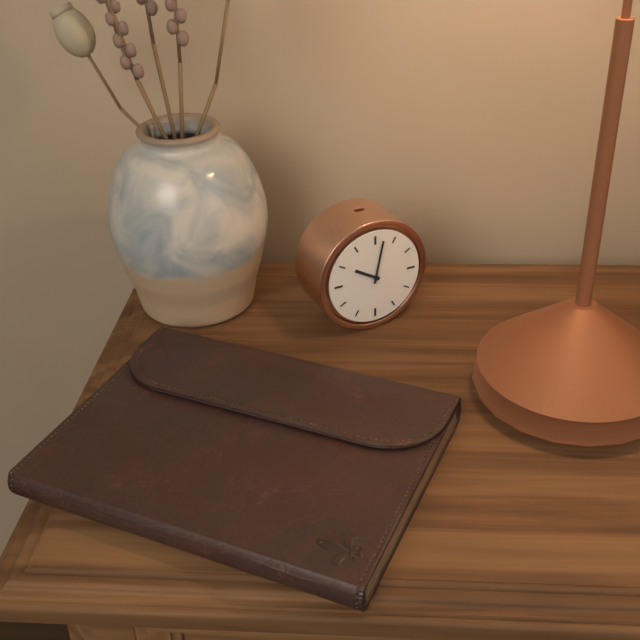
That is 10,02
